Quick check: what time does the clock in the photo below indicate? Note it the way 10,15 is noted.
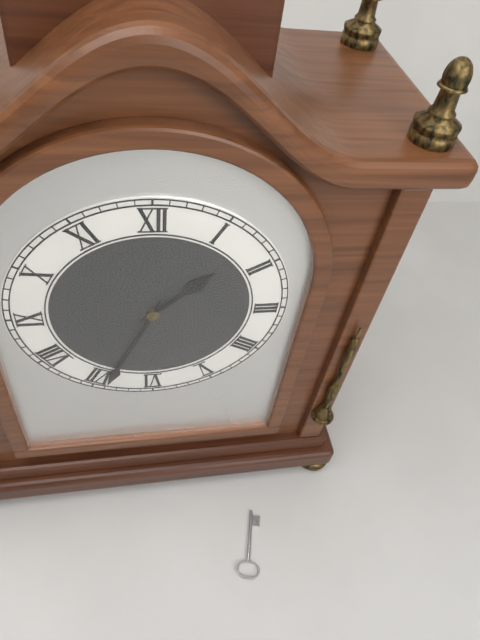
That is 1,34
